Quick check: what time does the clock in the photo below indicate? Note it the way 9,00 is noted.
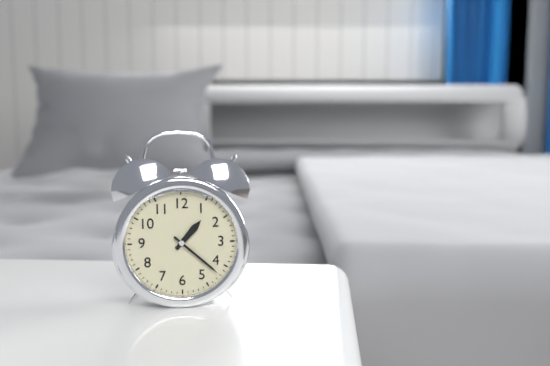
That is 1,22
